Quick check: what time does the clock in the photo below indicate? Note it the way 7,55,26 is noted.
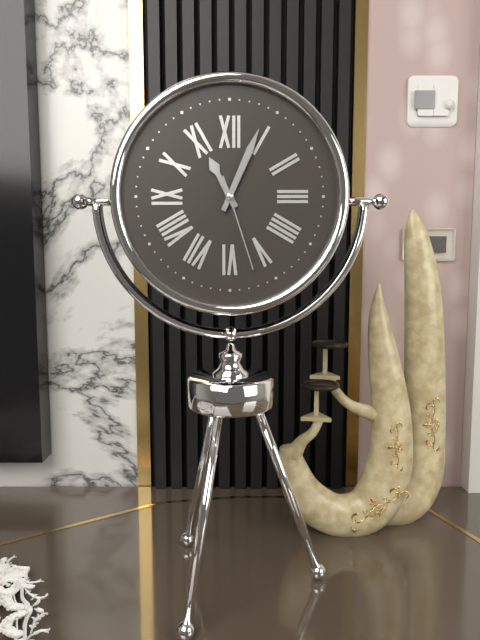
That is 11,04,27
